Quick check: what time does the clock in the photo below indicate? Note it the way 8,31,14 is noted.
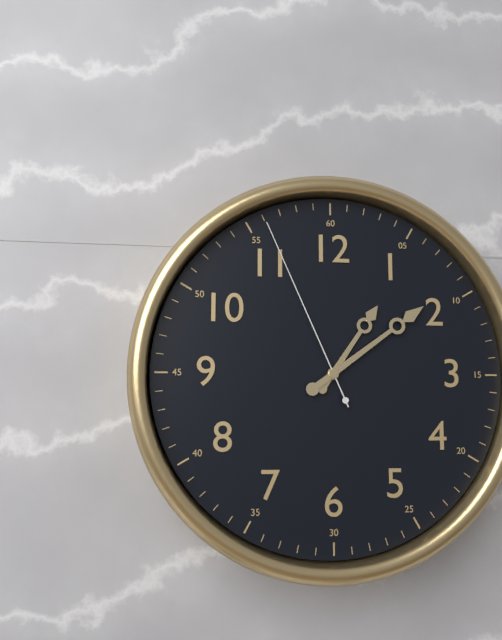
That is 1,09,56
